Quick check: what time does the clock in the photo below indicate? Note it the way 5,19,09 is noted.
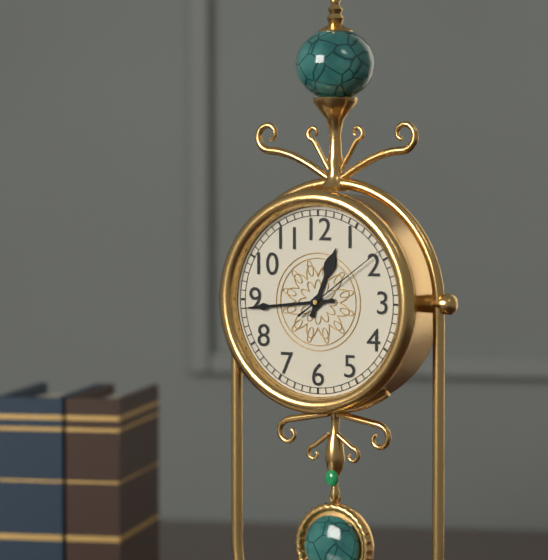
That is 12,44,09
